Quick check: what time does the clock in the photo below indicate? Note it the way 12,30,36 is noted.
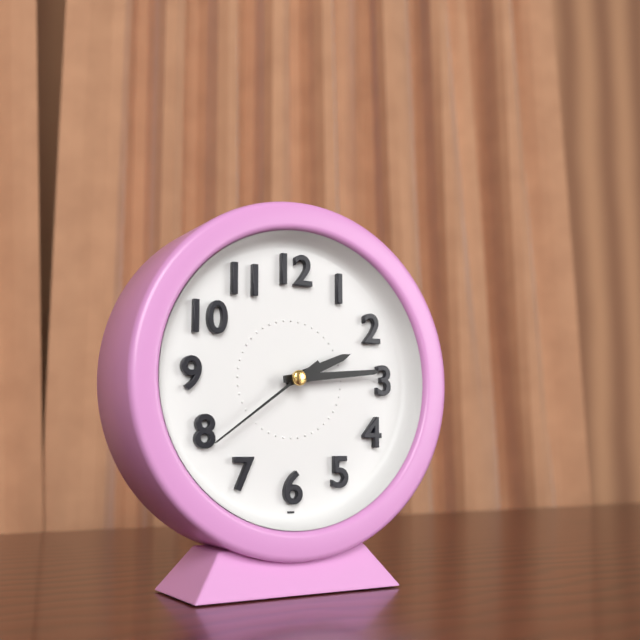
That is 2,14,39
